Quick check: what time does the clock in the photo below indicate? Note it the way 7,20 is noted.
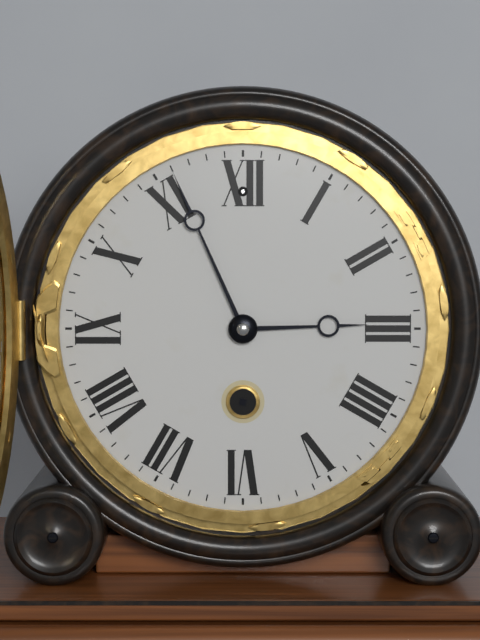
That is 2,56
